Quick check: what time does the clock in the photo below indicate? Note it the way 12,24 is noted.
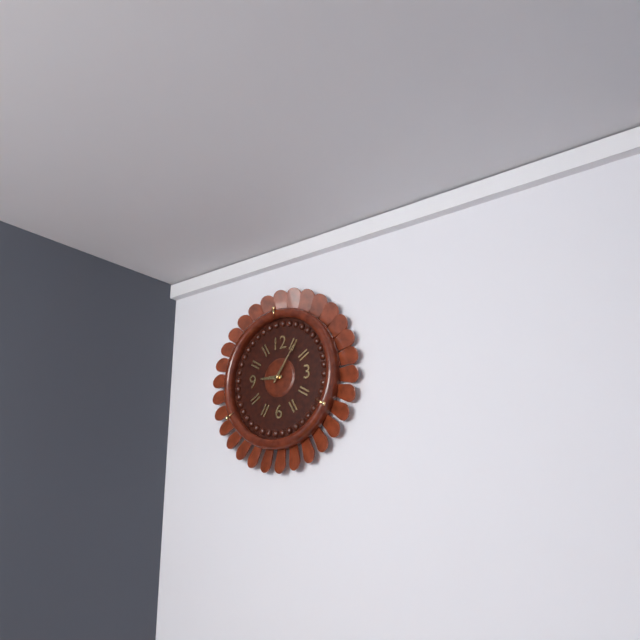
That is 9,06
